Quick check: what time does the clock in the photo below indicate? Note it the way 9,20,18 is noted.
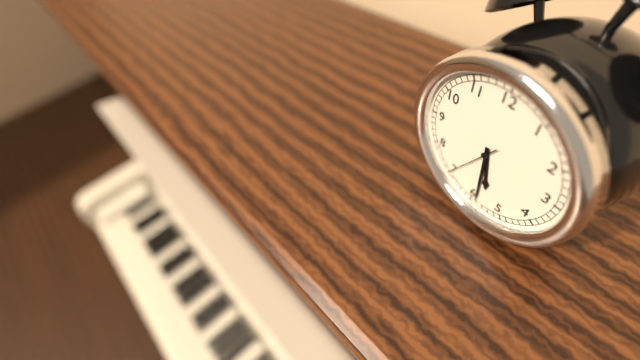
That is 5,29,35
